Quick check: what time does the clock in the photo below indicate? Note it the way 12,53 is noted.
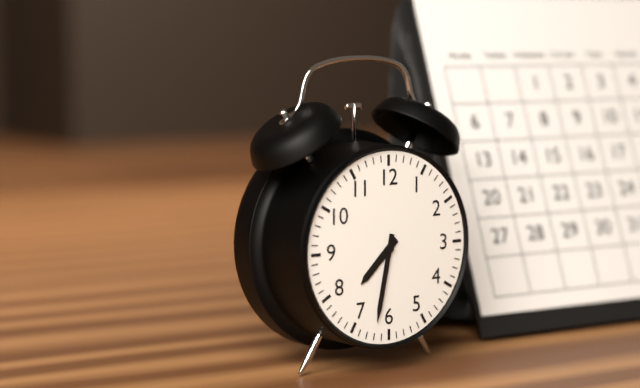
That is 7,32
